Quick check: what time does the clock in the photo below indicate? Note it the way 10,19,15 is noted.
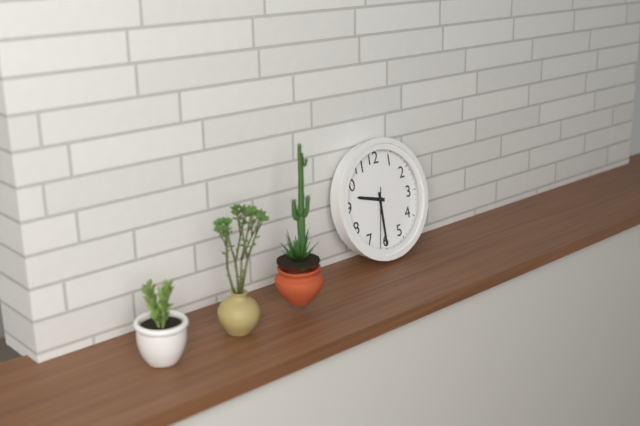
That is 9,30,32
